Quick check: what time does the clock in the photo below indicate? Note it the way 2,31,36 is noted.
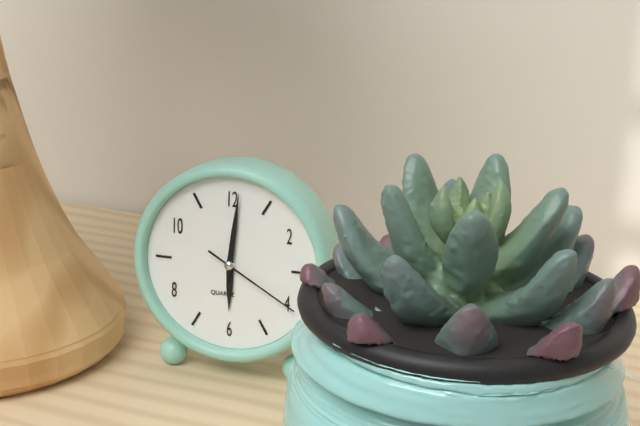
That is 6,01,20
